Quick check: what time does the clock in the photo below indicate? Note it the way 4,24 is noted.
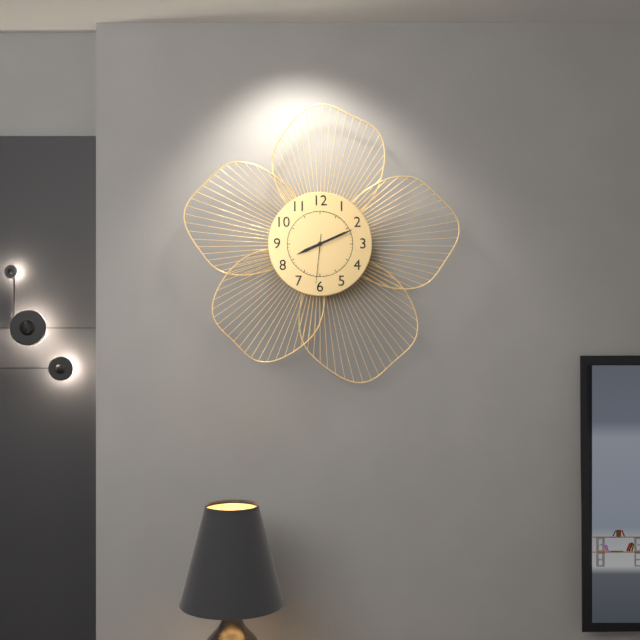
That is 8,11
